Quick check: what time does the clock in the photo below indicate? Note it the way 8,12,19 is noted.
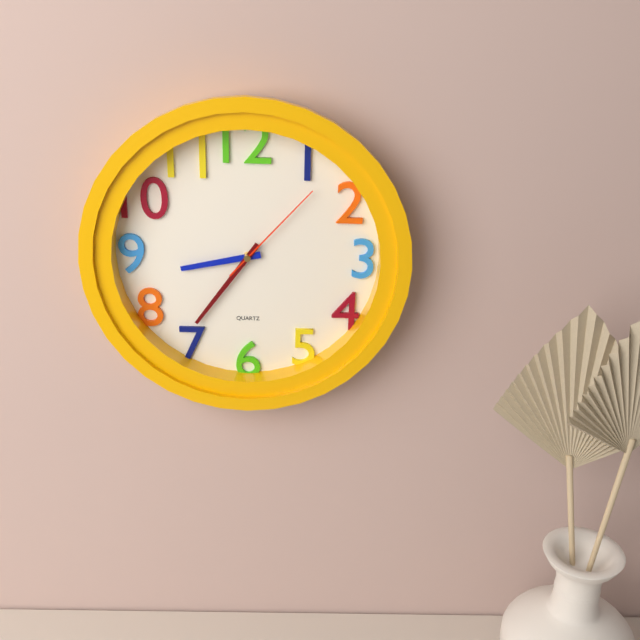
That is 8,36,07
